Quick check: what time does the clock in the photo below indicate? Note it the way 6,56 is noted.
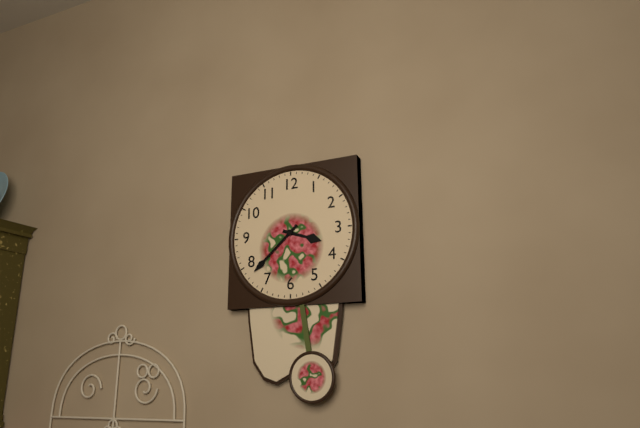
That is 3,38
